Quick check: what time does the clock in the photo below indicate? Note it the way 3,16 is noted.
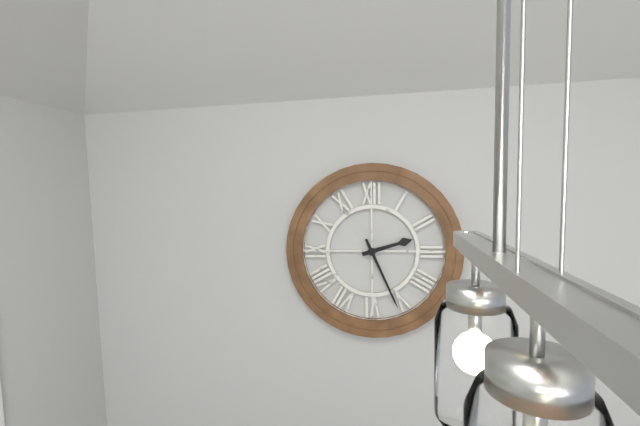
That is 2,26
